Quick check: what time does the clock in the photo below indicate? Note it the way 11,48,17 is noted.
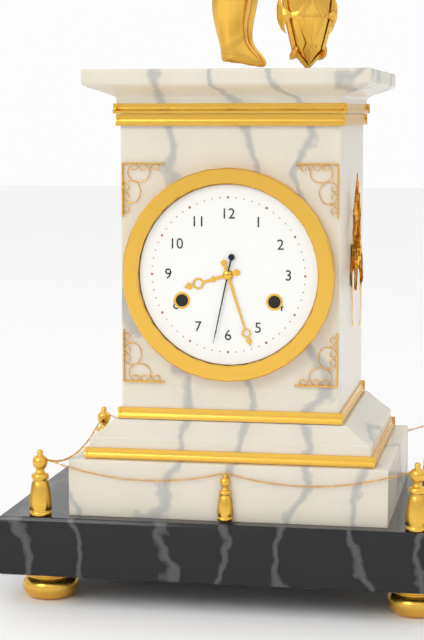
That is 8,27,32
